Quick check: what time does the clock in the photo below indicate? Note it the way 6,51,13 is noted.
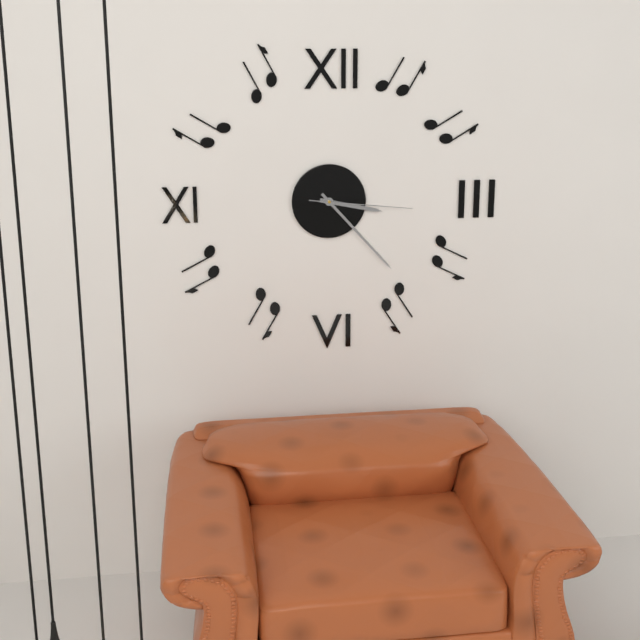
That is 3,23,16
